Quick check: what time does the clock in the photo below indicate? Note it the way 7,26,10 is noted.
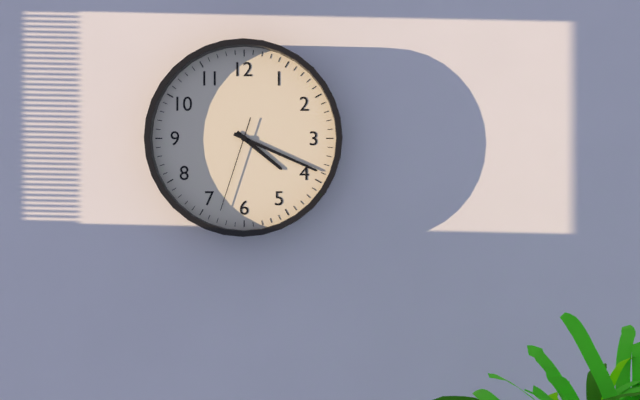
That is 4,19,33
